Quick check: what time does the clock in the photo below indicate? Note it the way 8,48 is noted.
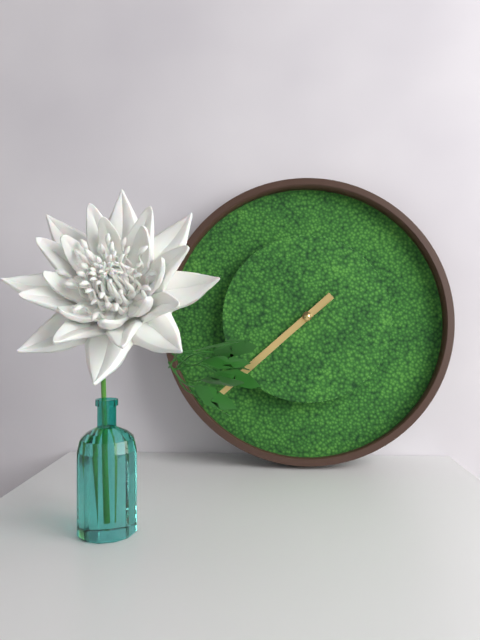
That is 7,38
